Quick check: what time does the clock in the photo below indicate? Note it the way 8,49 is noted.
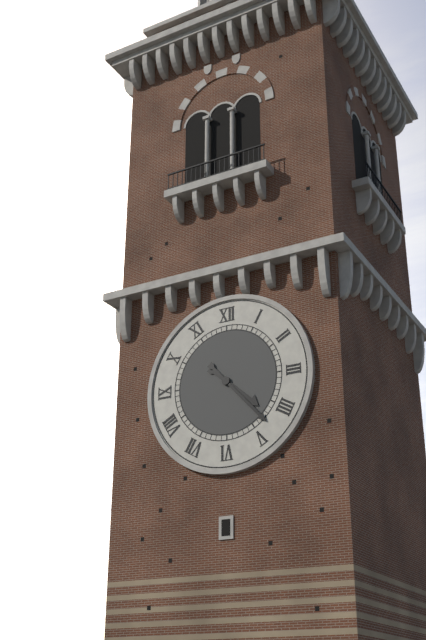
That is 4,23
